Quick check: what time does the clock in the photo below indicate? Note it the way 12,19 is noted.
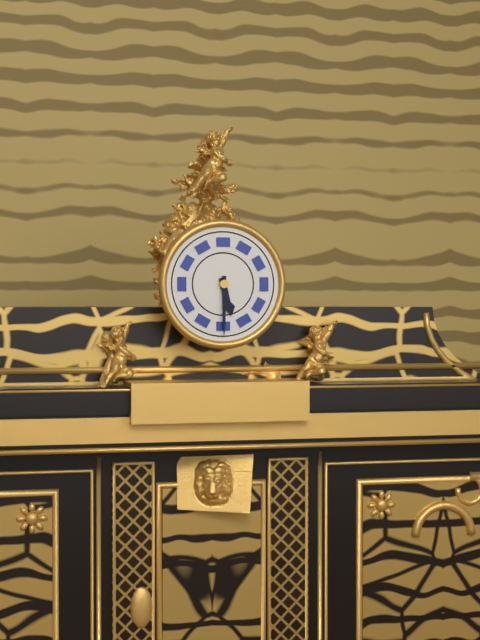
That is 5,30
